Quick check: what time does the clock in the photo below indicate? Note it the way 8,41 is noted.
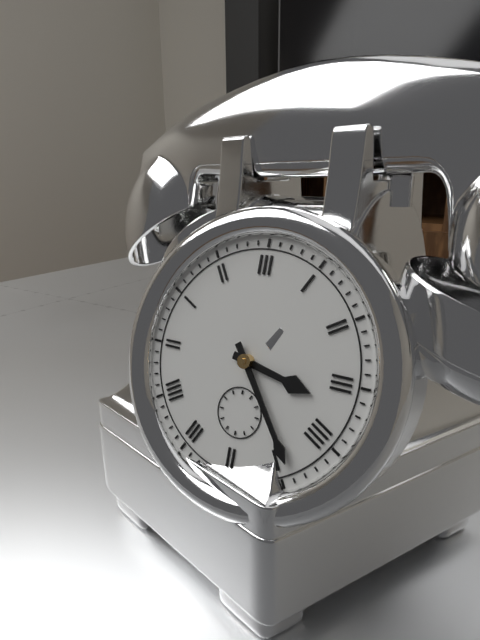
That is 3,24
